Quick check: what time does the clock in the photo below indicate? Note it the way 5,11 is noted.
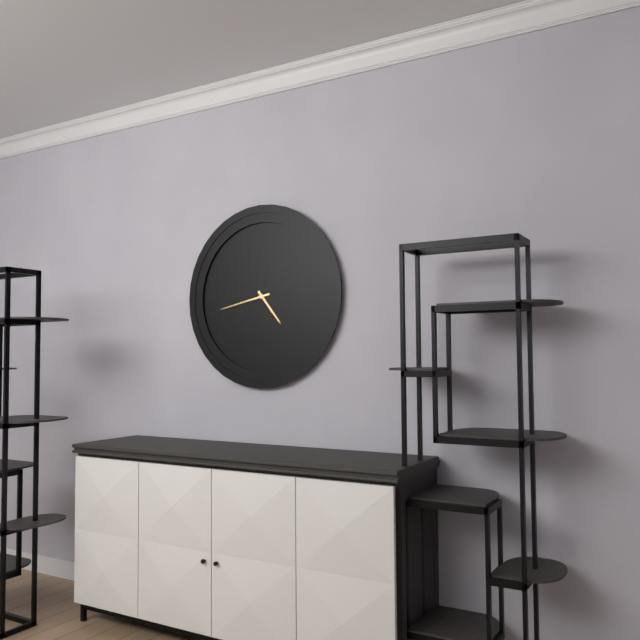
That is 4,43
